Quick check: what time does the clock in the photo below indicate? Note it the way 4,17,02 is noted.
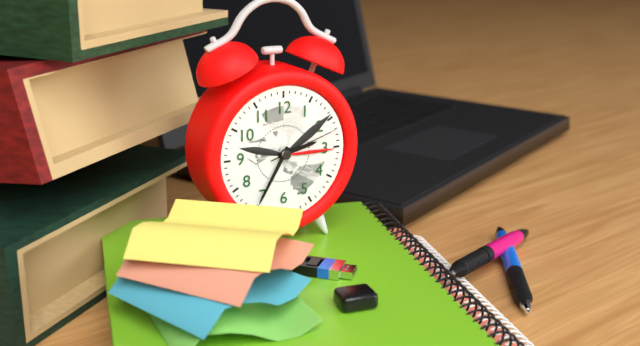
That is 2,35,12
